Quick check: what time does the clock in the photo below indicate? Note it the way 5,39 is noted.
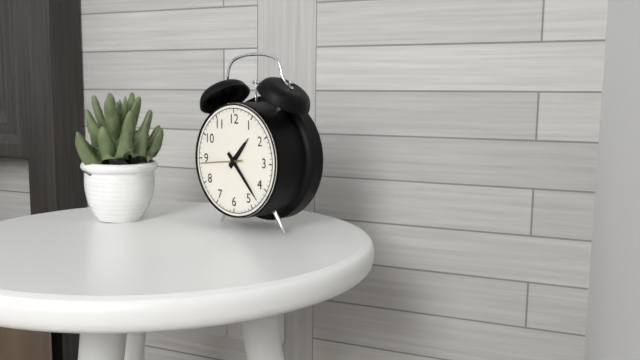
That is 1,23
